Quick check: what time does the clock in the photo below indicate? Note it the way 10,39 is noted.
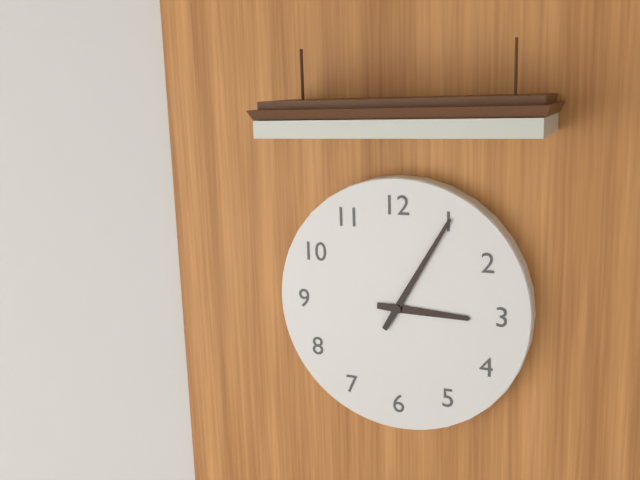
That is 3,05
